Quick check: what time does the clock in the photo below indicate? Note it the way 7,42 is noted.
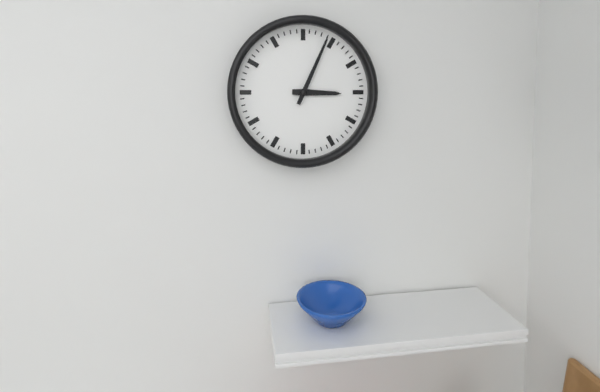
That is 3,04
